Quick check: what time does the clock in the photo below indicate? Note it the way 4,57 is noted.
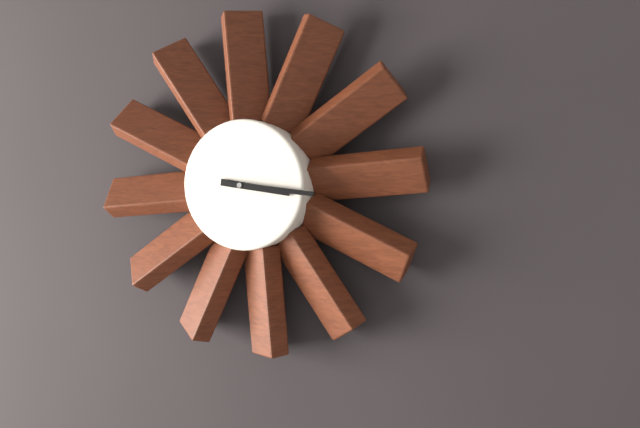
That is 3,16
